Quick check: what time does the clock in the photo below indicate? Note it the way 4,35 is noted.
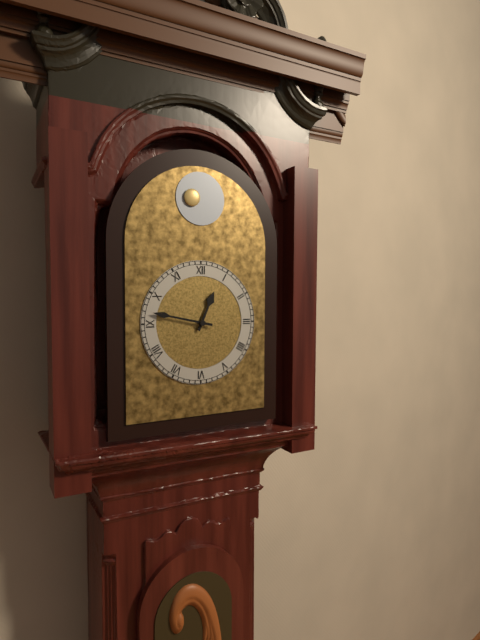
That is 12,47
